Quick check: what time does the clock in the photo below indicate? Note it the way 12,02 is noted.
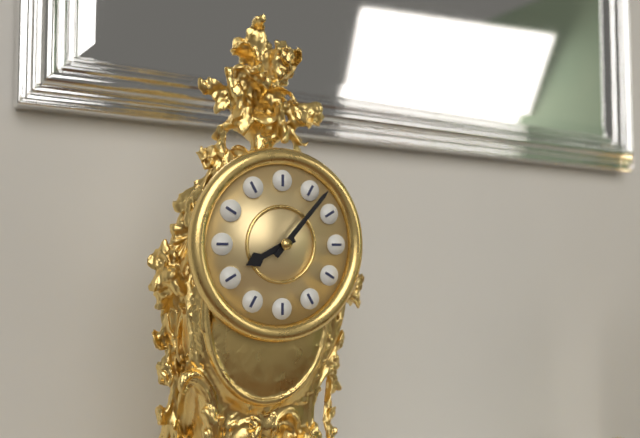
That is 8,07
